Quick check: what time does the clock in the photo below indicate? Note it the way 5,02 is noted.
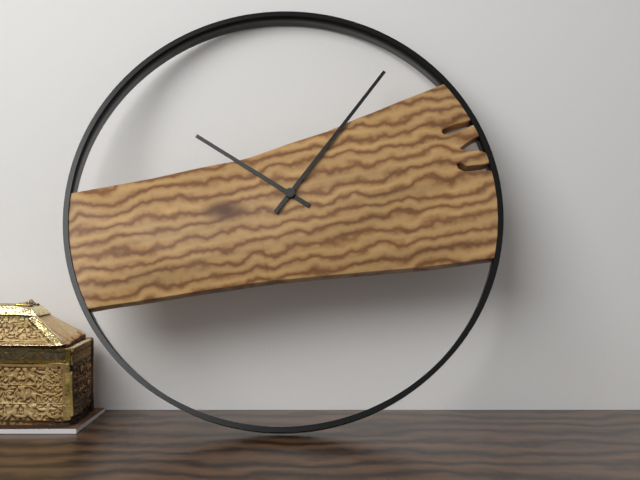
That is 10,06
